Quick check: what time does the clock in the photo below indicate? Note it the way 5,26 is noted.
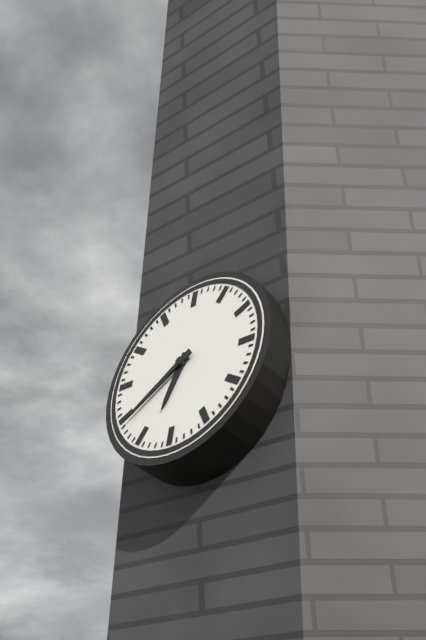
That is 6,39
